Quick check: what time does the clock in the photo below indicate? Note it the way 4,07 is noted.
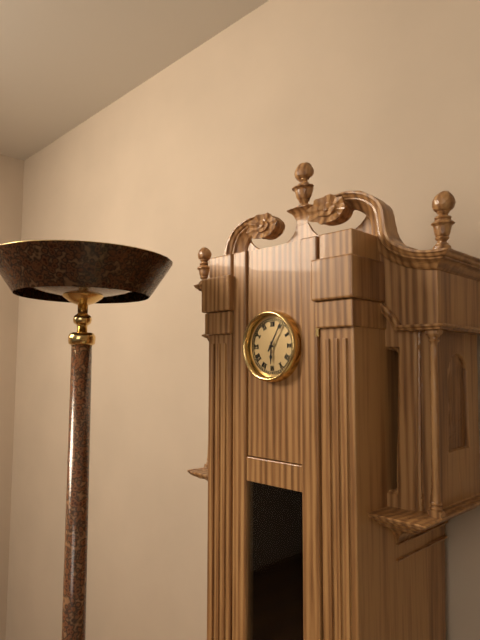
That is 6,05
